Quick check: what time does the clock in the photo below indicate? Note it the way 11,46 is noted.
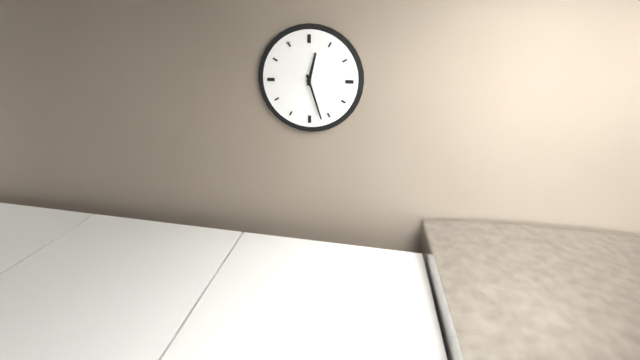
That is 12,27
